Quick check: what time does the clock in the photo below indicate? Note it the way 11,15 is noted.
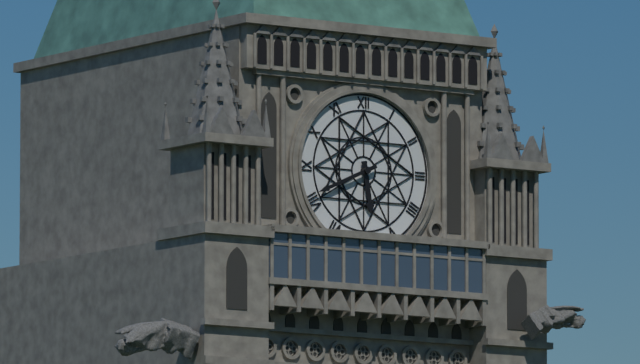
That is 5,41
